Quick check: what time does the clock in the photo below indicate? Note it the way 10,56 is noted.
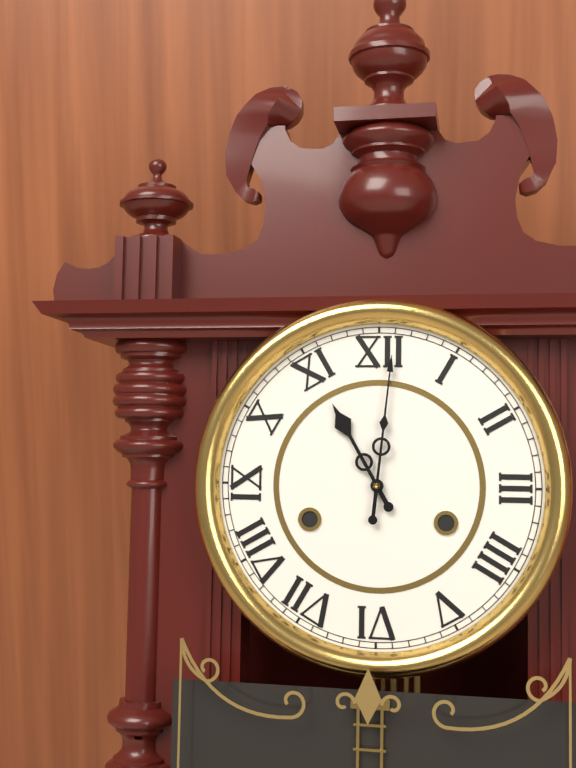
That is 11,01
